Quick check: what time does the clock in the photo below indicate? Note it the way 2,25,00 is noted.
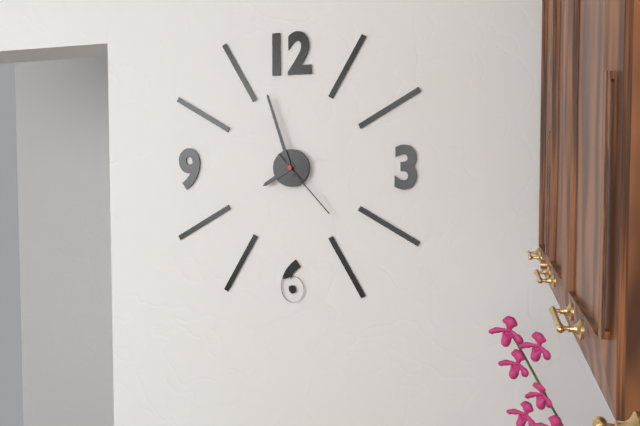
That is 7,57,23
